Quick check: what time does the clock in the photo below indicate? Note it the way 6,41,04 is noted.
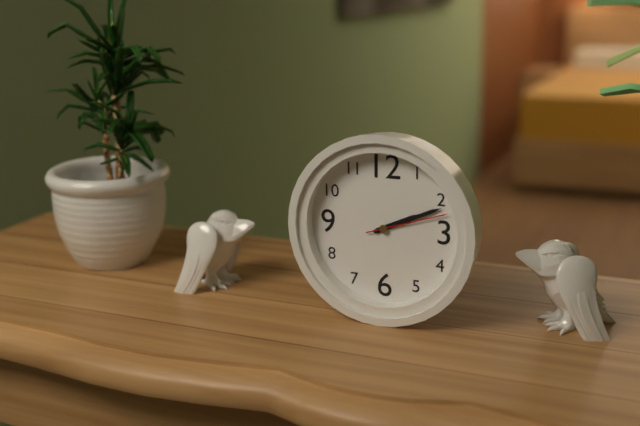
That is 2,11,12
